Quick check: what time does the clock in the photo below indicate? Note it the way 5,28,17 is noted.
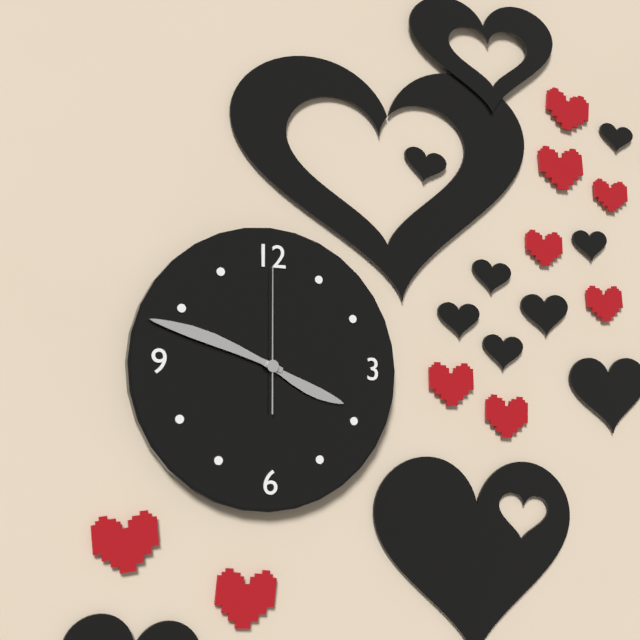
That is 3,48,00
